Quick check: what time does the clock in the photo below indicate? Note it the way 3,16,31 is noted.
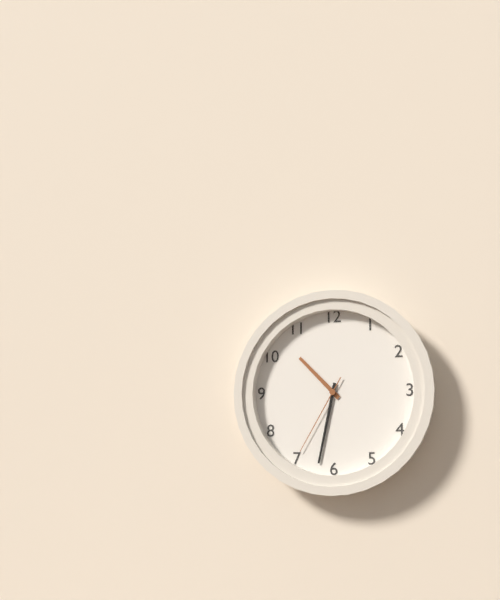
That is 10,32,35
